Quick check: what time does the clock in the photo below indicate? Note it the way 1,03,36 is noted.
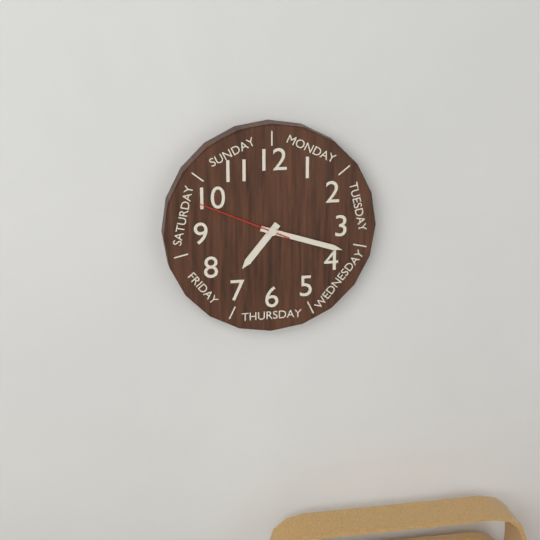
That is 7,18,49
